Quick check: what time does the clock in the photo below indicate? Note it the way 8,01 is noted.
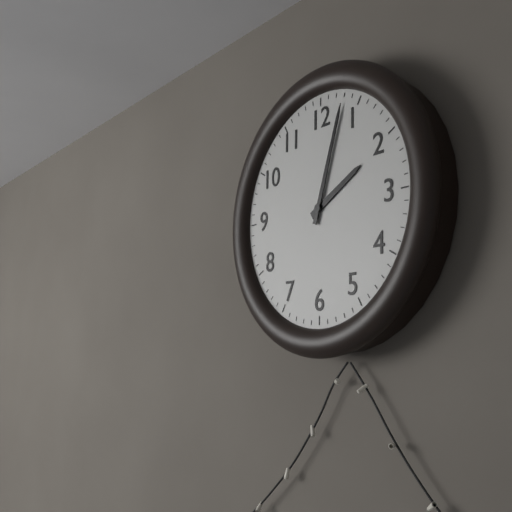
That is 2,03
